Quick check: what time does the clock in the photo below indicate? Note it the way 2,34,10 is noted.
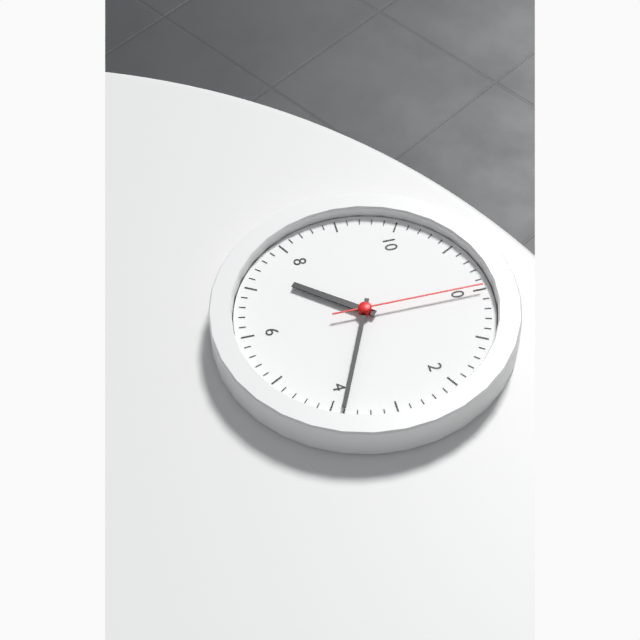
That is 7,19,00
